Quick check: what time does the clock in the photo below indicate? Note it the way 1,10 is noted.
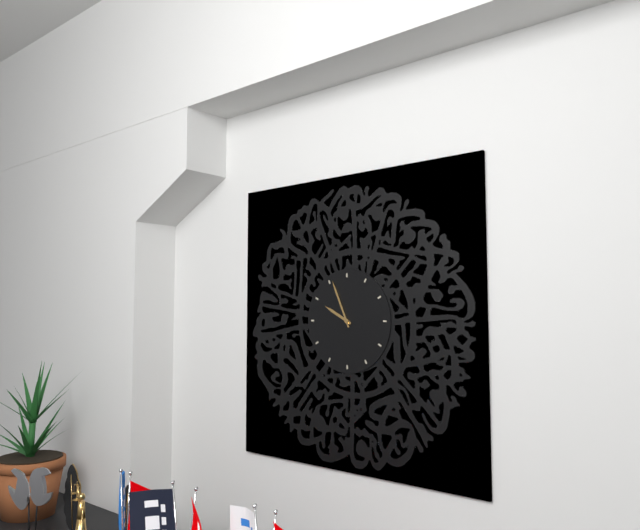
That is 9,56
